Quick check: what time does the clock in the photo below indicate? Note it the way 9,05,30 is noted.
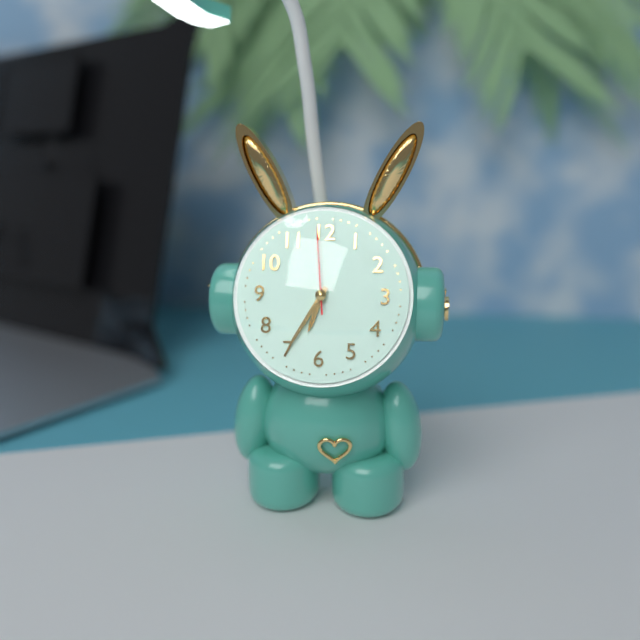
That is 6,35,59
